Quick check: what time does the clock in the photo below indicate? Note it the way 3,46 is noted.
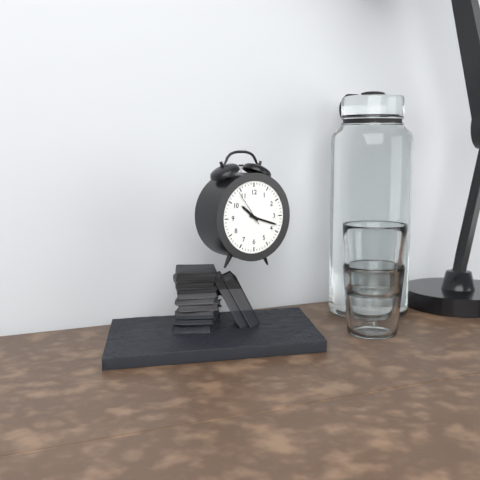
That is 10,18
